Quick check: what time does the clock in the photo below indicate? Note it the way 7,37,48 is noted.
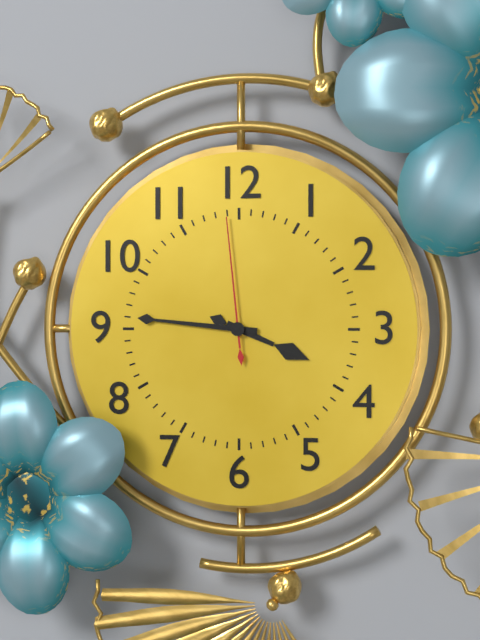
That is 3,46,59
